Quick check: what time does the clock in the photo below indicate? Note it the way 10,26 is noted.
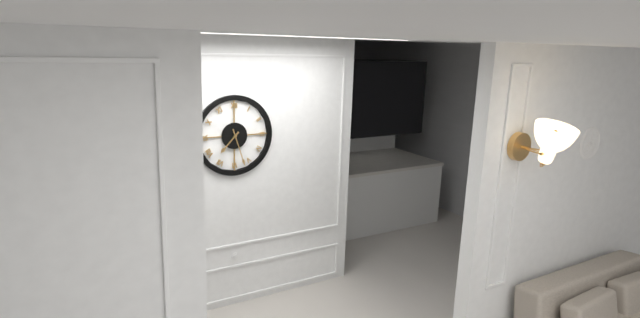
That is 7,27
